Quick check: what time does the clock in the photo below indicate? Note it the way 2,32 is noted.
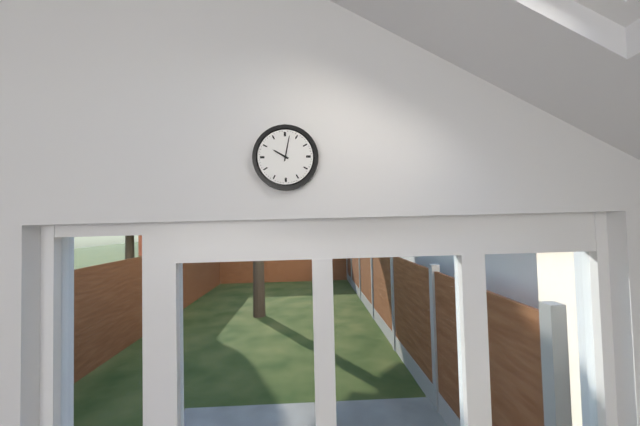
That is 10,02
